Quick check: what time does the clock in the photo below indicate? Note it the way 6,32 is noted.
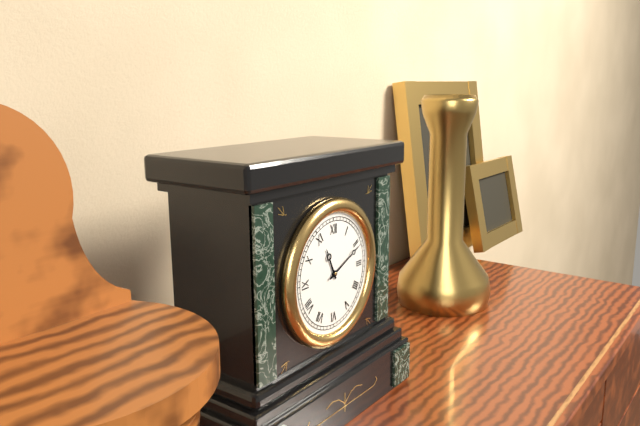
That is 11,11
